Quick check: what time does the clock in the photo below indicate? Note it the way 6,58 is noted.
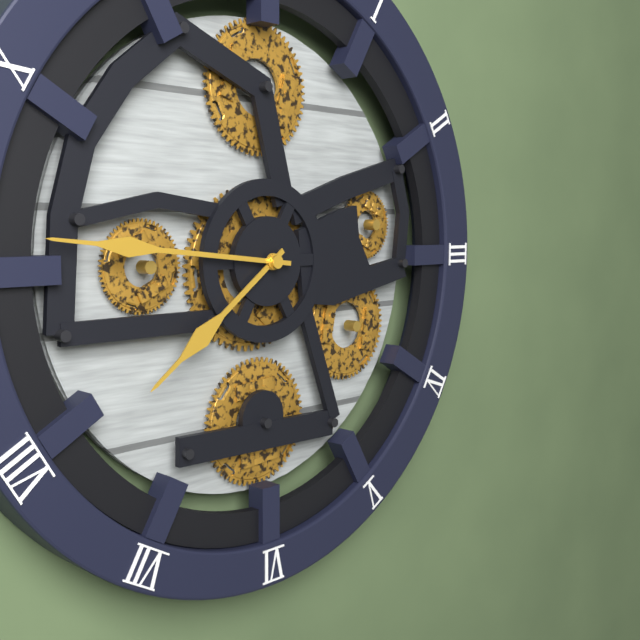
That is 7,46
